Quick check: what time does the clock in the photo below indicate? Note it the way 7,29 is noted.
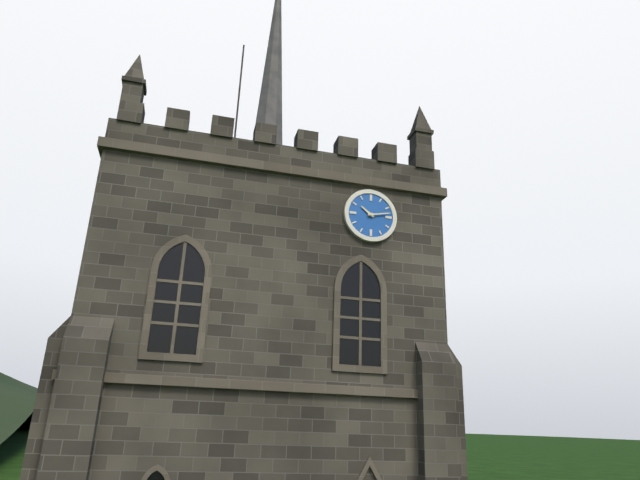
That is 10,13
